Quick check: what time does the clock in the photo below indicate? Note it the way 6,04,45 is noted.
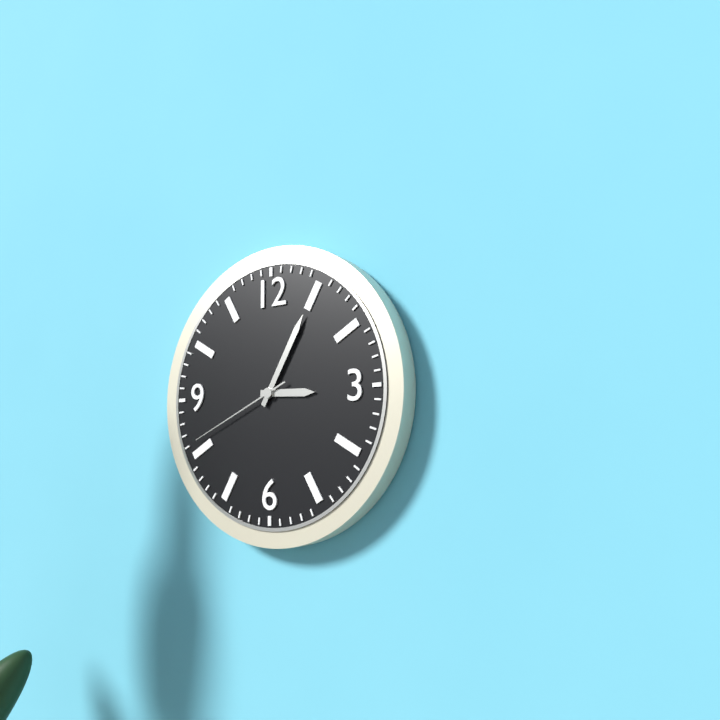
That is 3,05,41
